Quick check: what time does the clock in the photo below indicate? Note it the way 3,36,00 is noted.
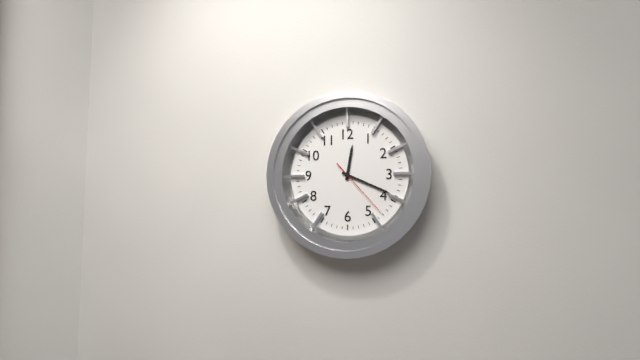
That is 12,19,23
